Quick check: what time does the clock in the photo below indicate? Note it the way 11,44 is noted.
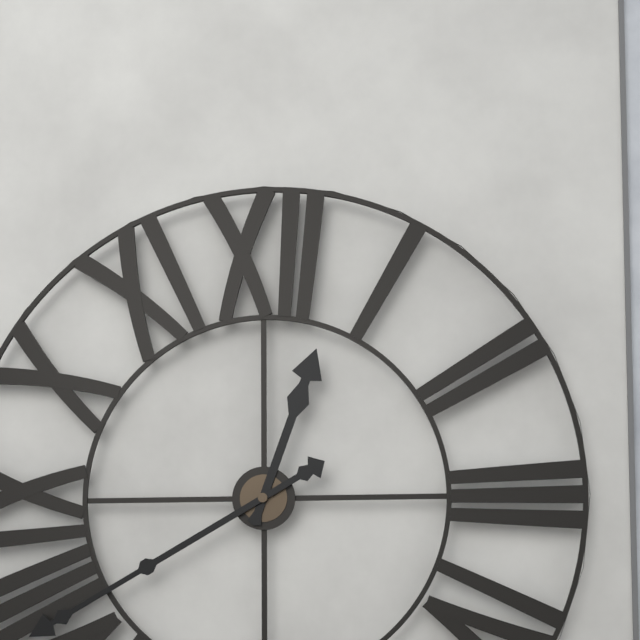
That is 12,40
